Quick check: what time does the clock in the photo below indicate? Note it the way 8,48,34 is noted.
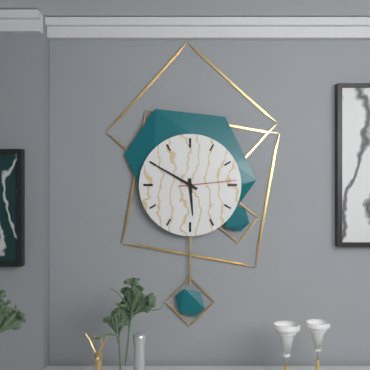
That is 5,50,14
